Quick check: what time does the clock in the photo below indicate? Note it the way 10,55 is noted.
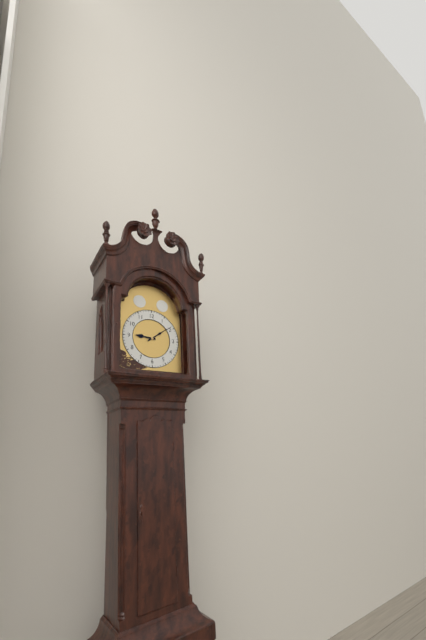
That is 9,09
